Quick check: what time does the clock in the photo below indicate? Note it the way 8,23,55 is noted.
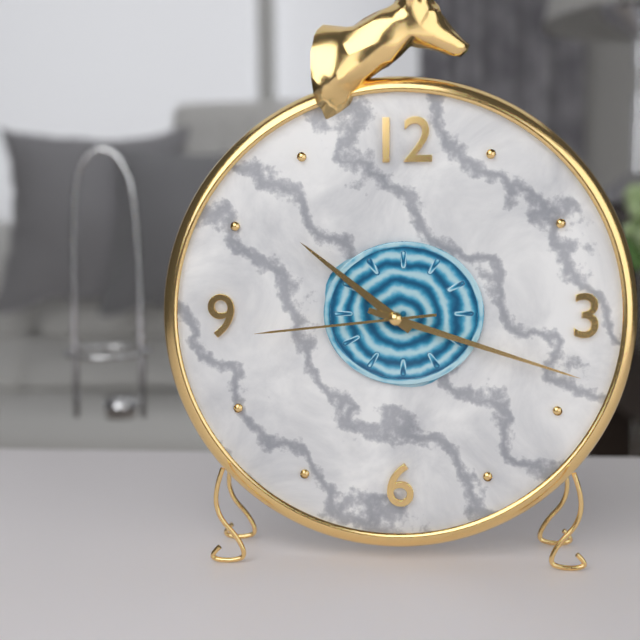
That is 10,18,44
